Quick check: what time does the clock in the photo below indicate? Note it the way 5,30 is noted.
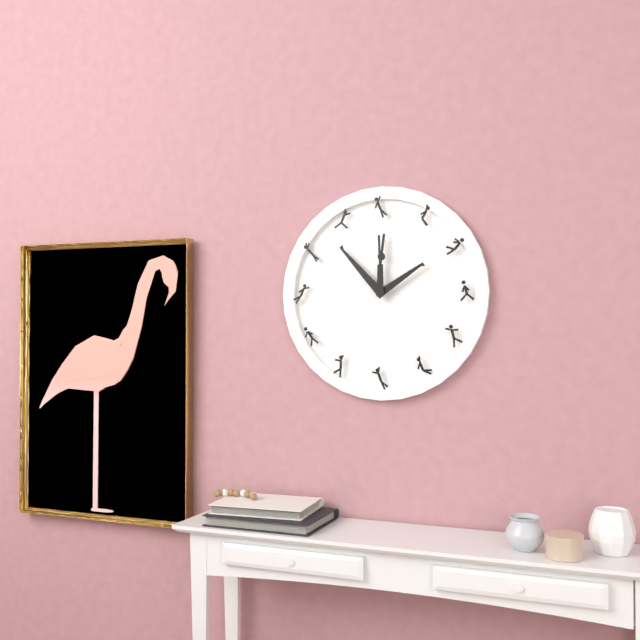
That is 1,53
